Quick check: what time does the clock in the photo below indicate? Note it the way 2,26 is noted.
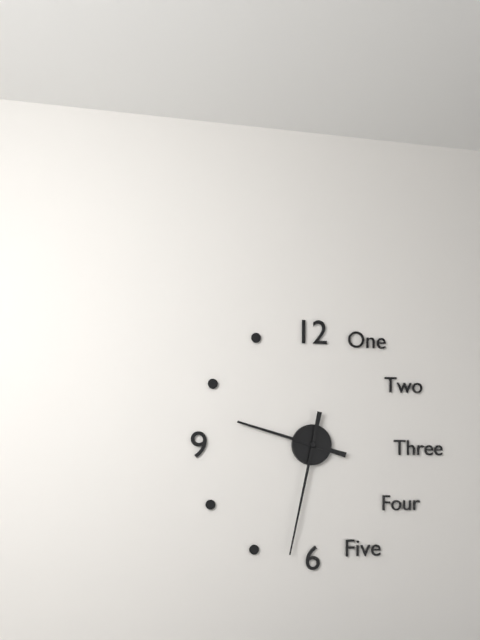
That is 9,32
